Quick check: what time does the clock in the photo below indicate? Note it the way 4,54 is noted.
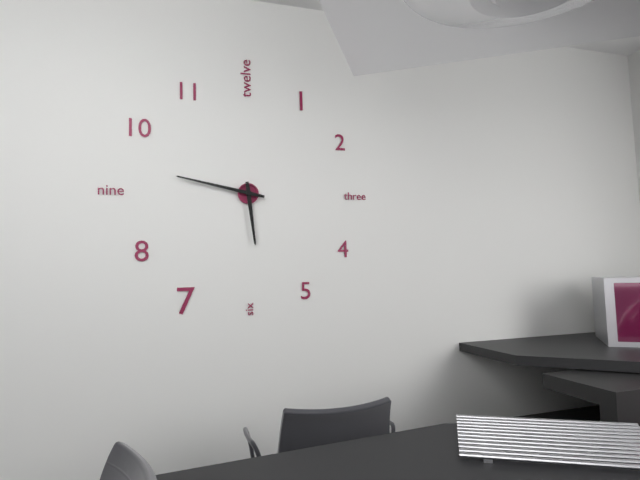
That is 5,47
